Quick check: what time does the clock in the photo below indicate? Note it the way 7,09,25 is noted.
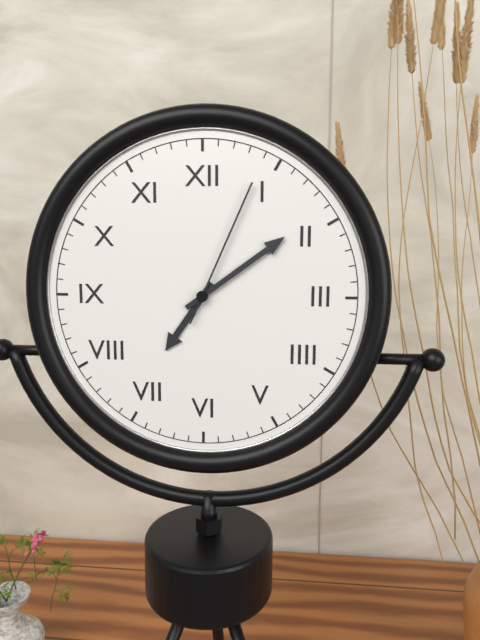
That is 7,09,04
